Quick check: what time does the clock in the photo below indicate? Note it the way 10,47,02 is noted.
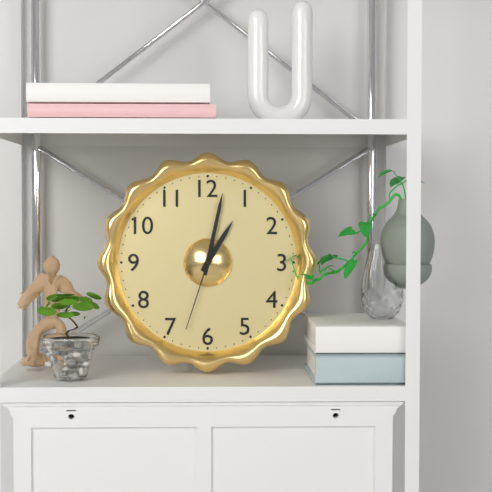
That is 1,02,33
